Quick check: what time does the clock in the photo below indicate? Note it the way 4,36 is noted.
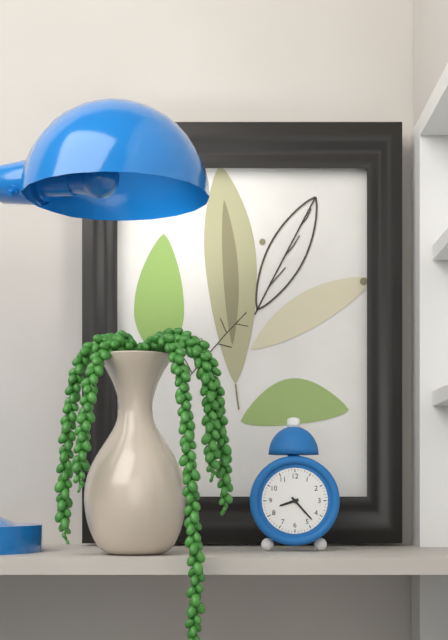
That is 8,23
